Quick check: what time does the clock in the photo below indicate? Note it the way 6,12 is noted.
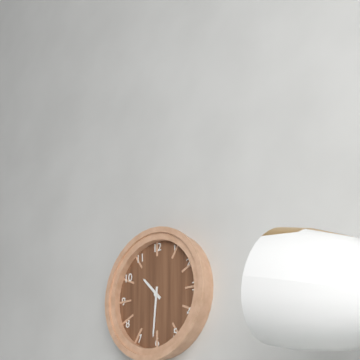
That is 10,31
